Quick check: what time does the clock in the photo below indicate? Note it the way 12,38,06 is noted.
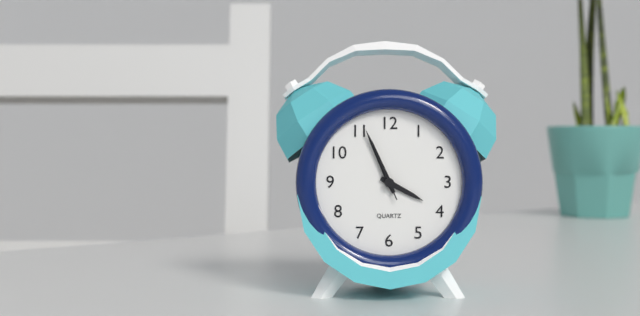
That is 3,56,56
